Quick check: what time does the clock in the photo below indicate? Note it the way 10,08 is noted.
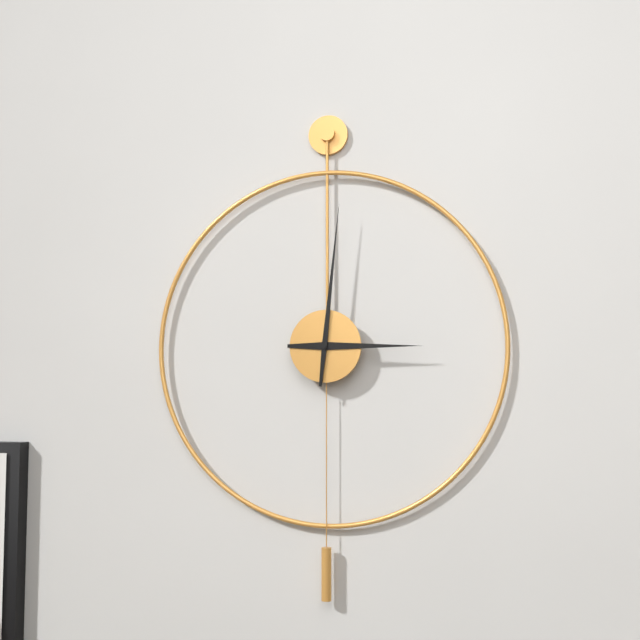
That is 3,01
